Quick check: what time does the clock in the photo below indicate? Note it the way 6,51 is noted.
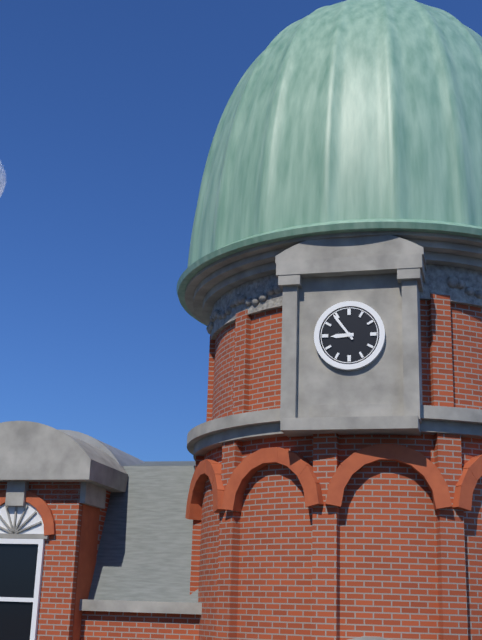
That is 8,54
